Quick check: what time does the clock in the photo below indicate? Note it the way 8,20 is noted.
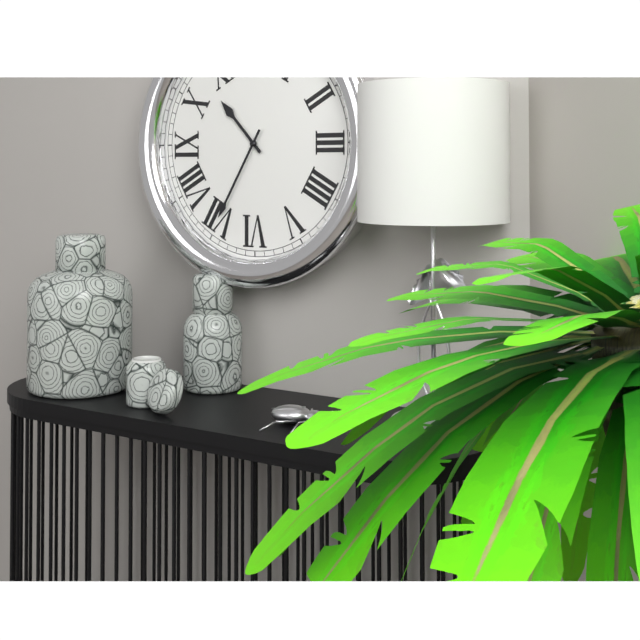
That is 10,35
